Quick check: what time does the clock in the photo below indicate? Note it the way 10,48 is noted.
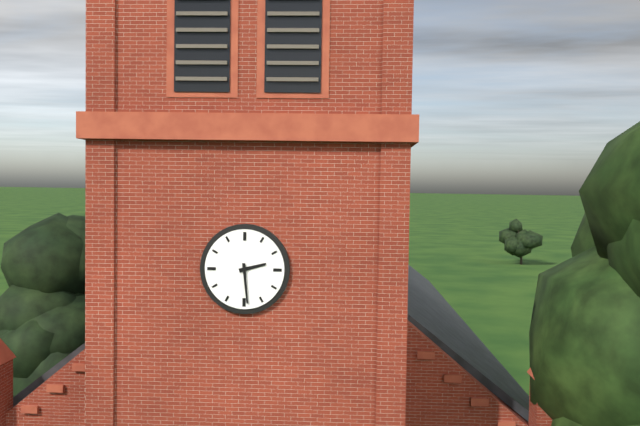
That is 2,29
